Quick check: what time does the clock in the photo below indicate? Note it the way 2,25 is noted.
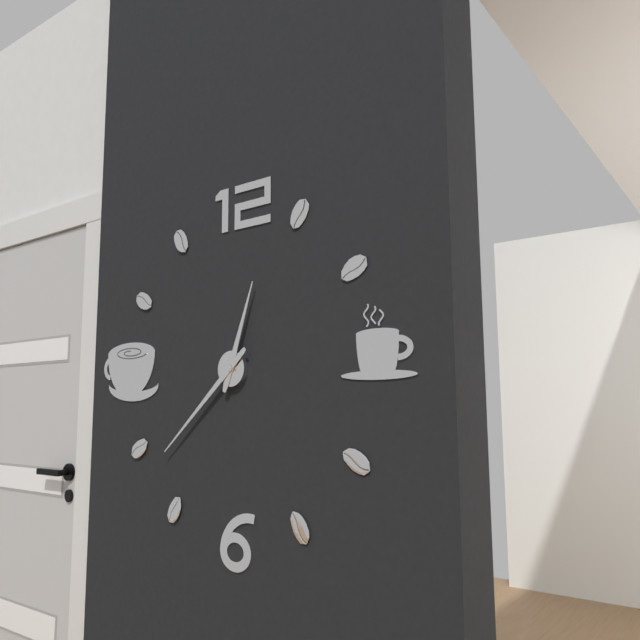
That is 12,38
